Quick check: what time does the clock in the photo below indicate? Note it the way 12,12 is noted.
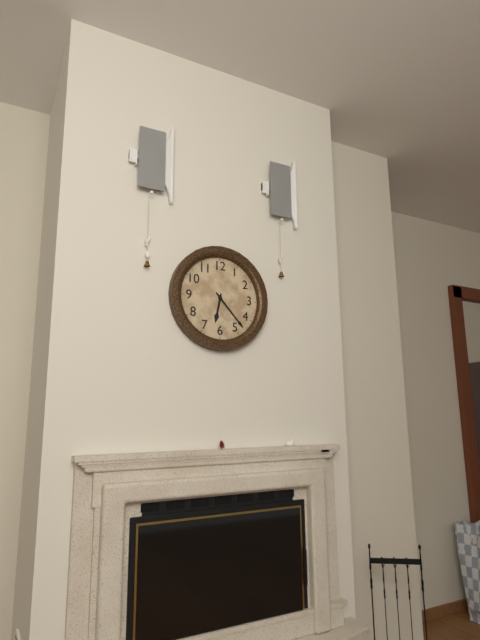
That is 6,23
